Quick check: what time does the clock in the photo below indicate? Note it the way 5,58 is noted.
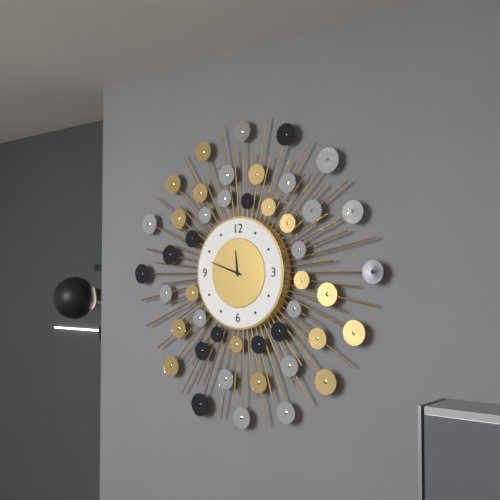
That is 11,48
